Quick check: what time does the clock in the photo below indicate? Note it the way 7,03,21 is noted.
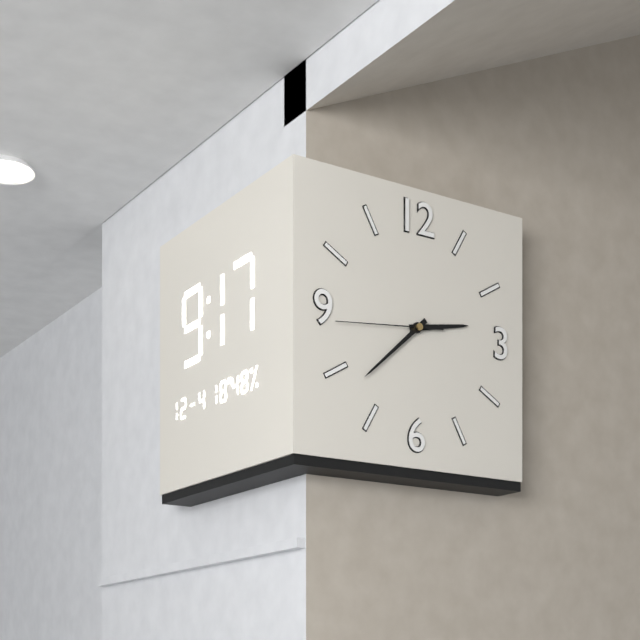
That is 2,38,44
